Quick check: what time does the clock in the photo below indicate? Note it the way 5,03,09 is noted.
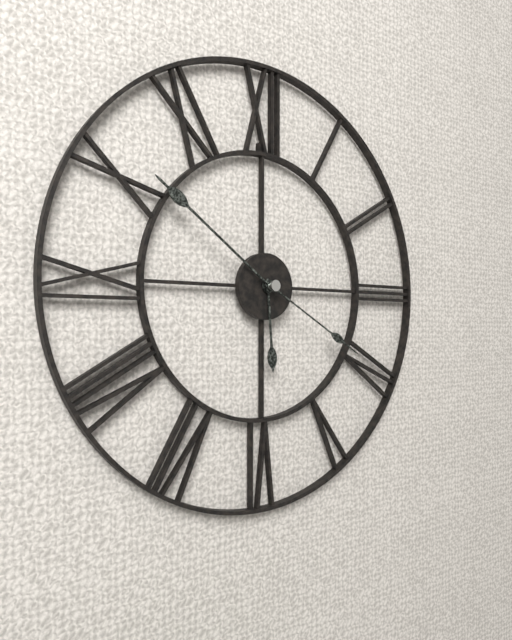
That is 5,51,20
